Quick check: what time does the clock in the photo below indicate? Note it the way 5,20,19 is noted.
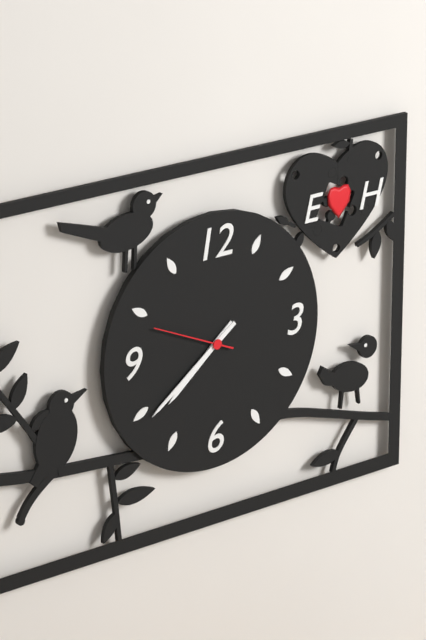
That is 7,39,49
